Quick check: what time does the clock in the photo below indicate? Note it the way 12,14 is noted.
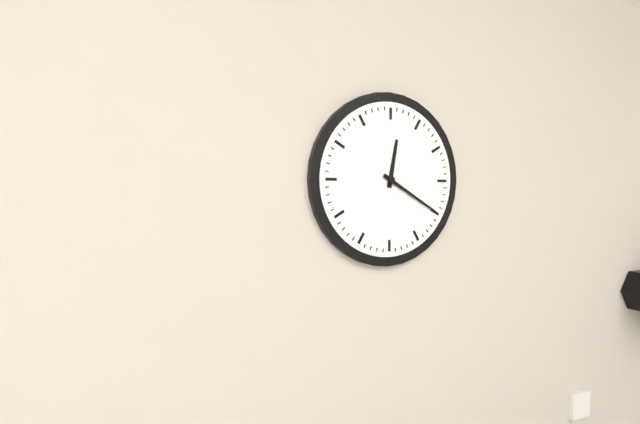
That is 12,20
